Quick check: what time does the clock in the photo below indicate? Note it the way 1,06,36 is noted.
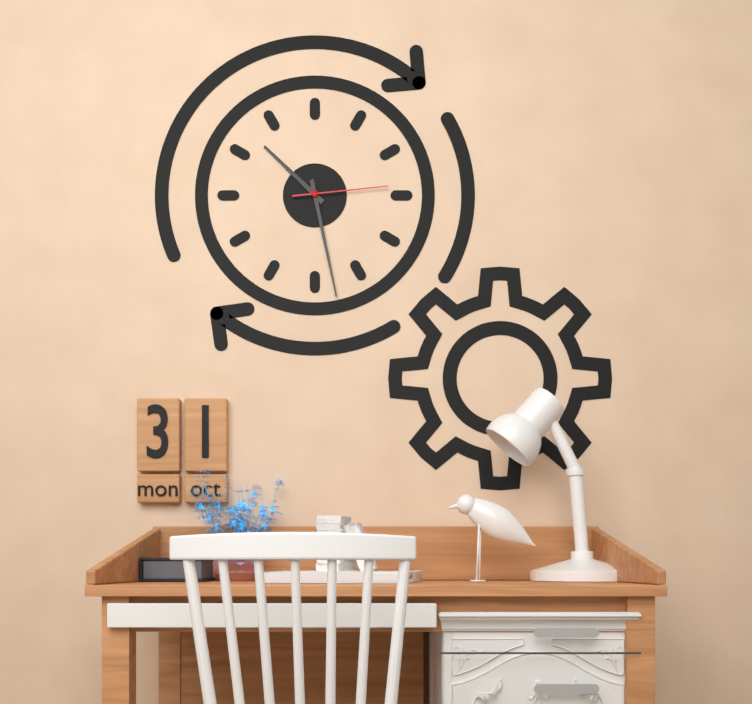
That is 10,28,14
